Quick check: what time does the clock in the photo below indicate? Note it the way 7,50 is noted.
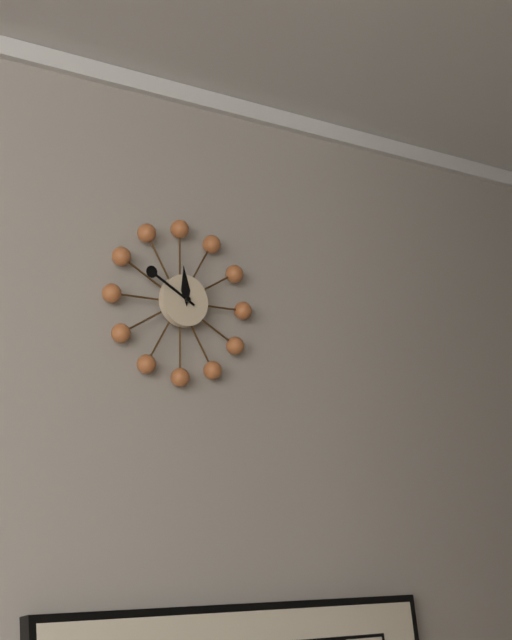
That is 11,50
